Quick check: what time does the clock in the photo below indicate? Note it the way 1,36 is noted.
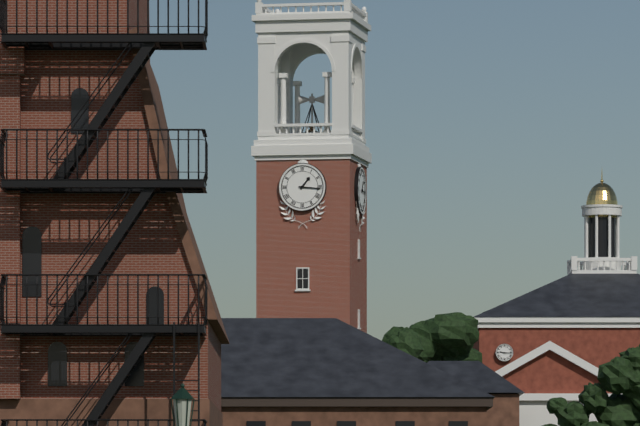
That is 1,16
